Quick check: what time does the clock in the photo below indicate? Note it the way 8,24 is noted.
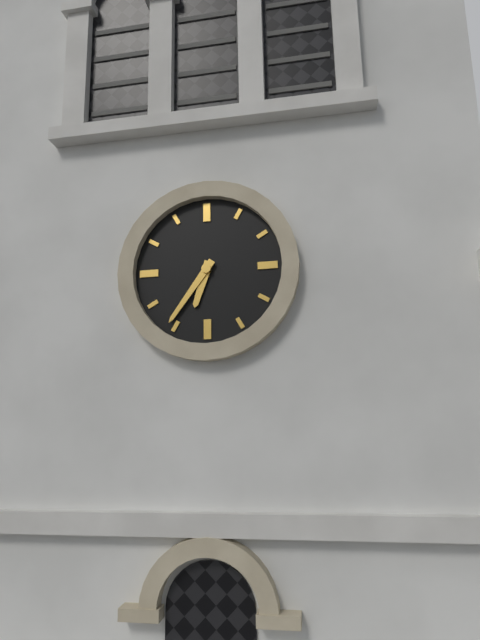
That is 6,36
